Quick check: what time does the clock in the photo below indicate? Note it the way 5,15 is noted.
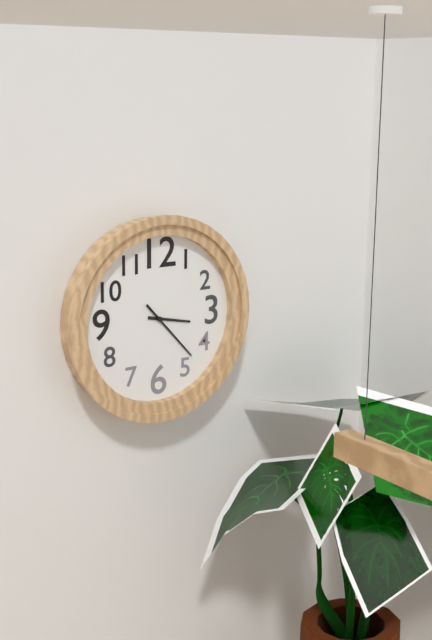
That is 3,23
